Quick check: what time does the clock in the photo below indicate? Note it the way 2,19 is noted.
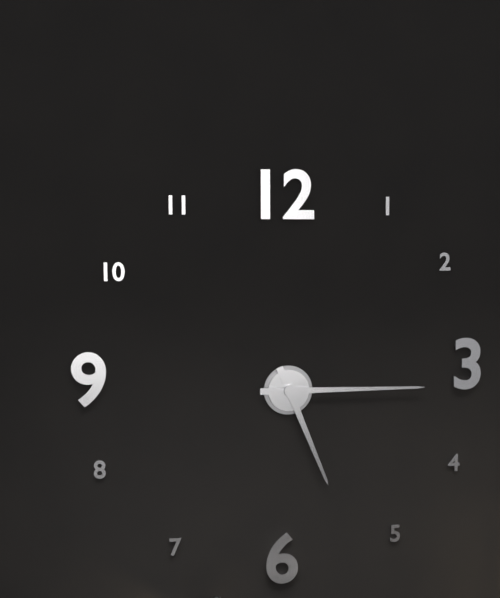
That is 5,15
